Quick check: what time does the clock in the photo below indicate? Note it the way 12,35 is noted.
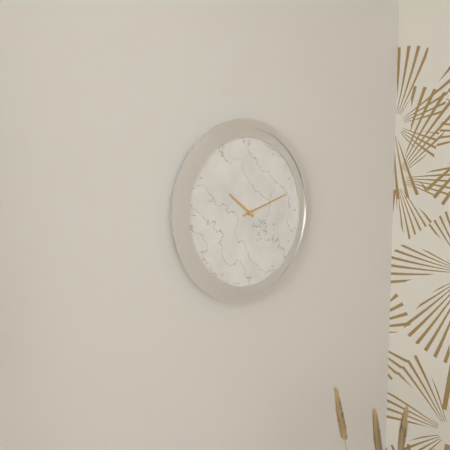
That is 10,12
